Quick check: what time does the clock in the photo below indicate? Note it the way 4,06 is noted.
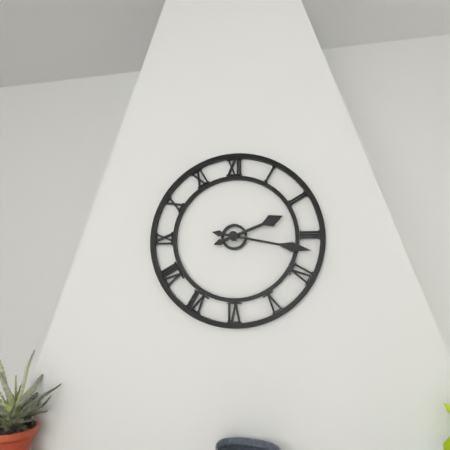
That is 2,17
